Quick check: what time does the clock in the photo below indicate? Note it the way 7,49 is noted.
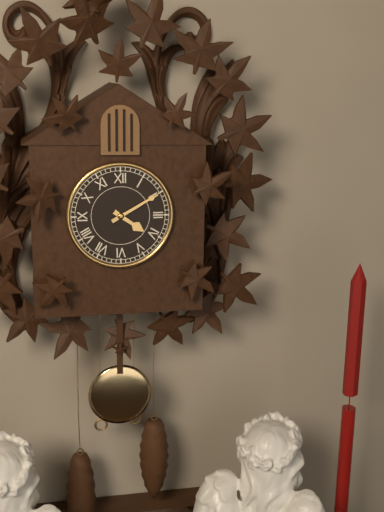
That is 4,10
